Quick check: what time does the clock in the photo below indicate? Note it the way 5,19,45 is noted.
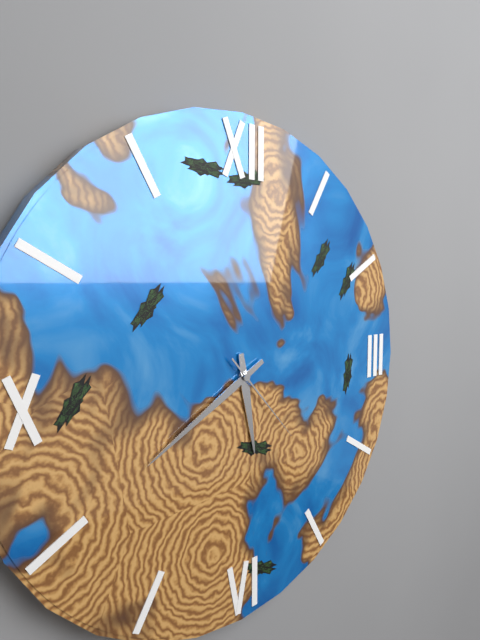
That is 5,40,23
